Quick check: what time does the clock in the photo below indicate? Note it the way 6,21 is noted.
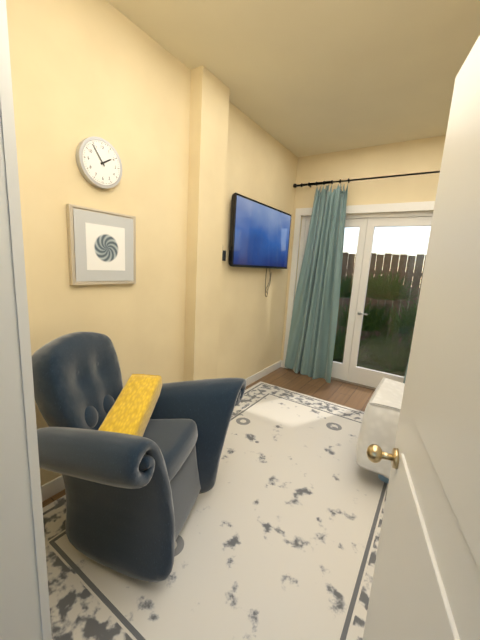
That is 1,54
